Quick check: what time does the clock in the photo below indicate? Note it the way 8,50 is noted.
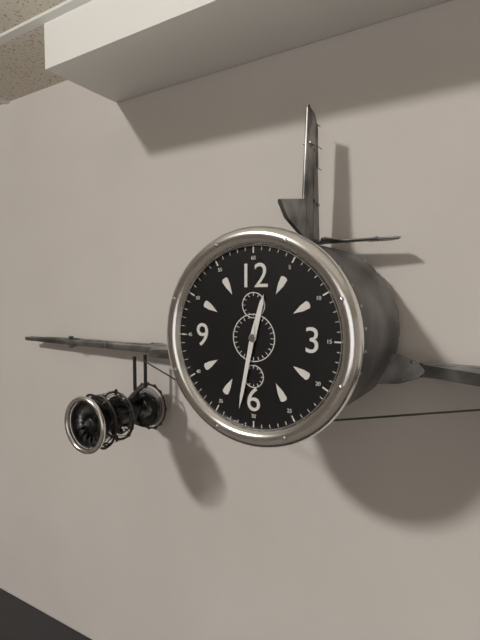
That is 12,32
